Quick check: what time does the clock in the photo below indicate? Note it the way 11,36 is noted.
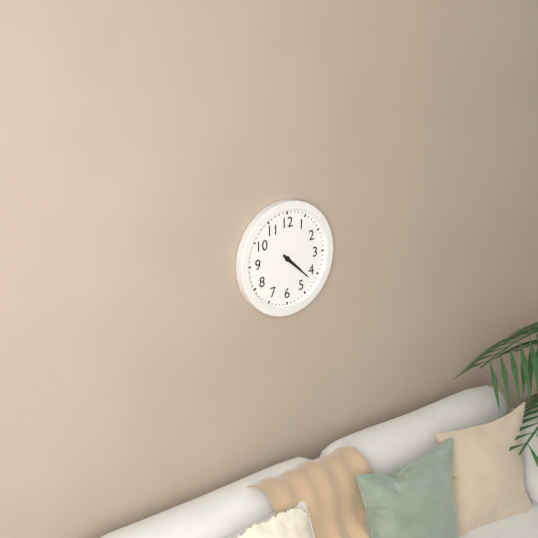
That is 4,22
